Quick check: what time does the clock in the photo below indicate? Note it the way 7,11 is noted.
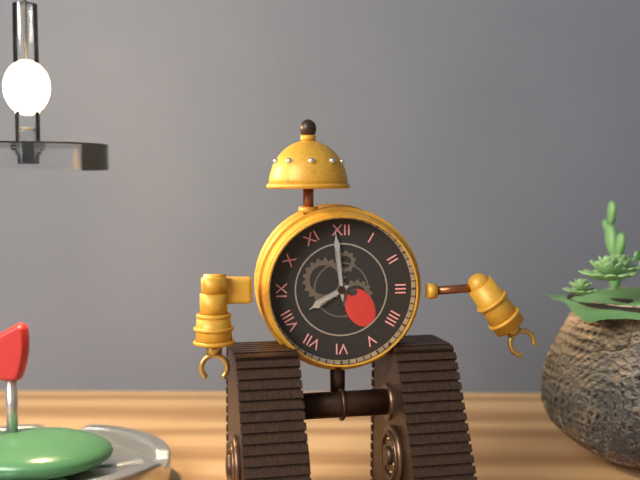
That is 7,59
